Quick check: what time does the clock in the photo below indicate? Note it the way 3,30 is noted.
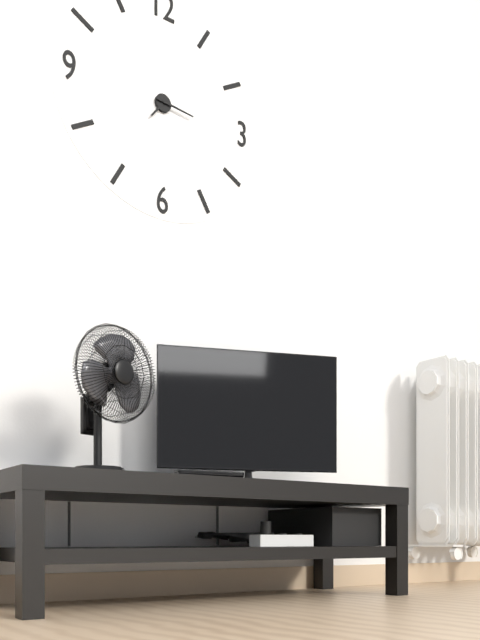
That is 7,16
